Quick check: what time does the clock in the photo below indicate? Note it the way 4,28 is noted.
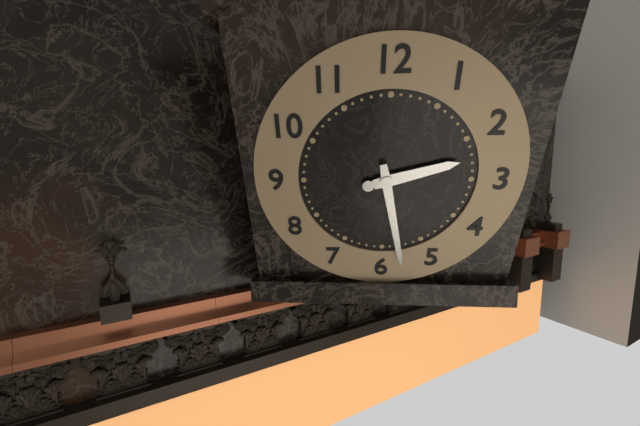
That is 2,28
